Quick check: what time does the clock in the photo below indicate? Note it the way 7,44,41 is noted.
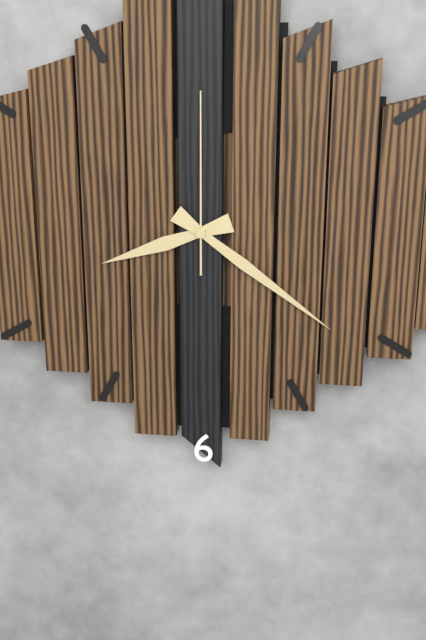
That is 8,21,00
